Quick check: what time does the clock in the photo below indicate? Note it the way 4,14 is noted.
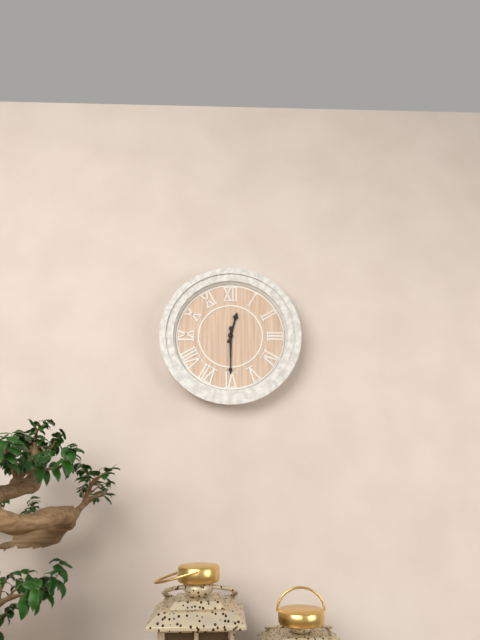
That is 12,30
